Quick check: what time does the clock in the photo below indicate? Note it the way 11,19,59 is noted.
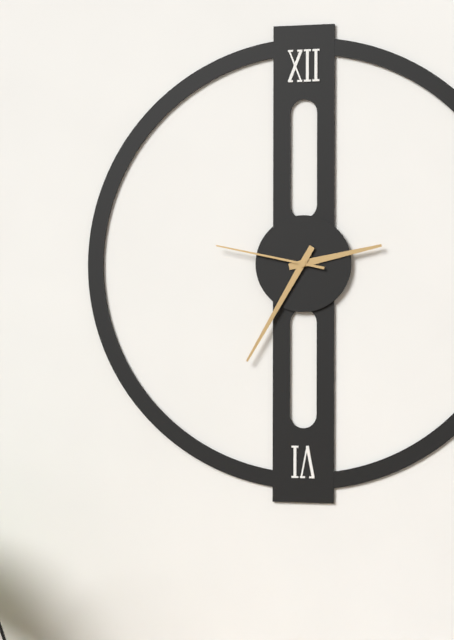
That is 2,35,47
